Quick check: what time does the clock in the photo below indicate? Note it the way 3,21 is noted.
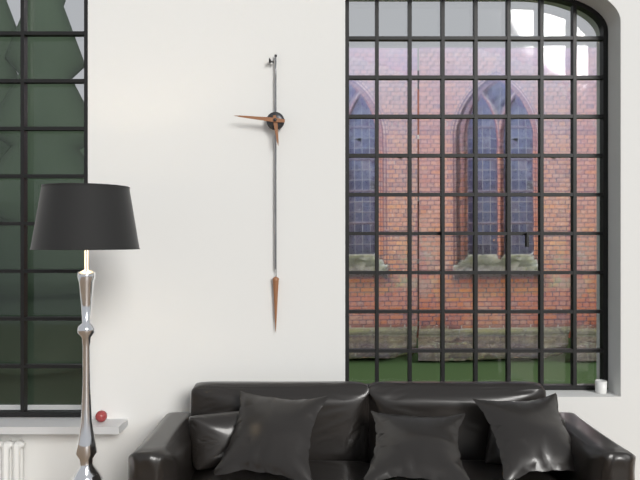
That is 5,46
